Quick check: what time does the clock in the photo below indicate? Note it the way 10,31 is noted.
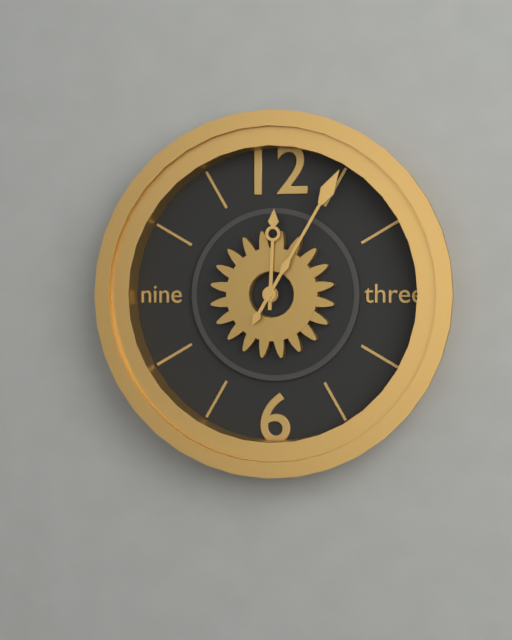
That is 12,05
